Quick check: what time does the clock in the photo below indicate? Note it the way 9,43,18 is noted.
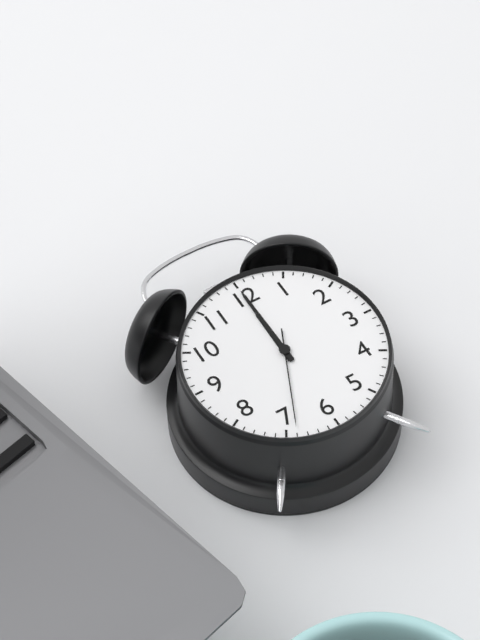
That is 12,00,34
